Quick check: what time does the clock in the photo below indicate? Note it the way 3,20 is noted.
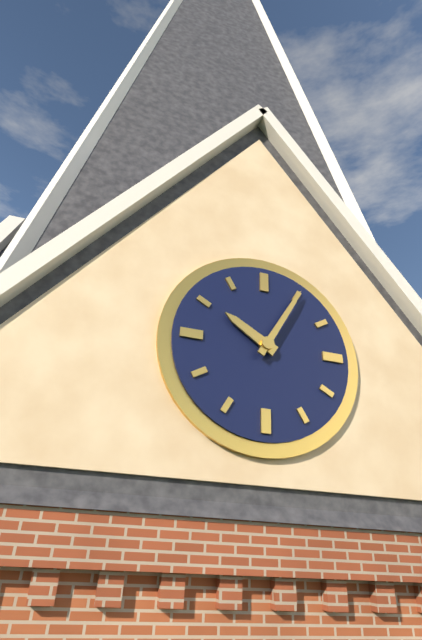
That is 10,05
